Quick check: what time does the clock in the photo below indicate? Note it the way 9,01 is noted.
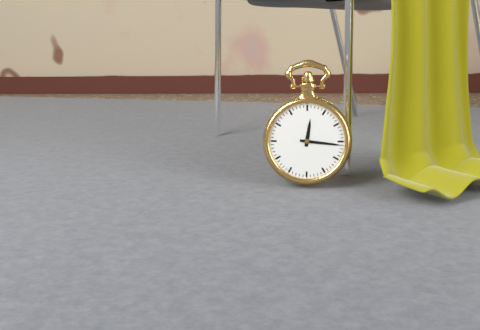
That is 12,16
